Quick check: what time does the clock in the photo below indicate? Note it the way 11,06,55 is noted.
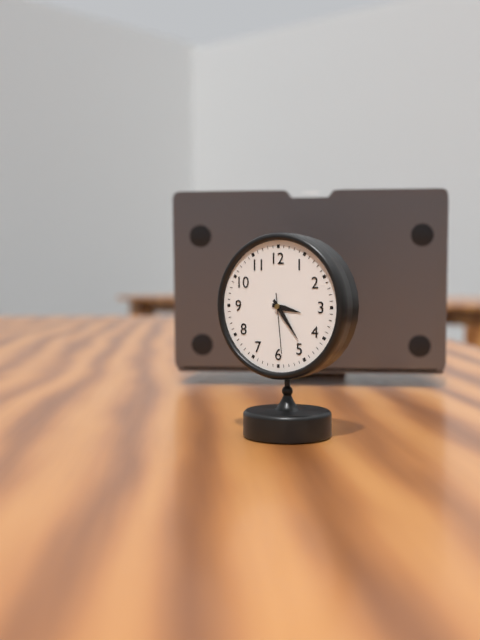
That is 3,24,29
